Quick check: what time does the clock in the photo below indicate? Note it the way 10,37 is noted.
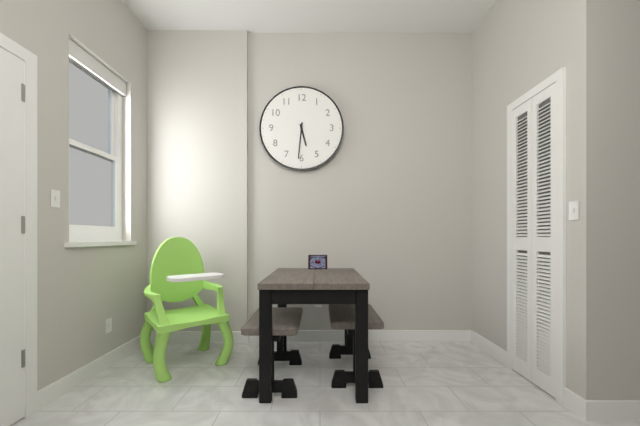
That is 5,31
